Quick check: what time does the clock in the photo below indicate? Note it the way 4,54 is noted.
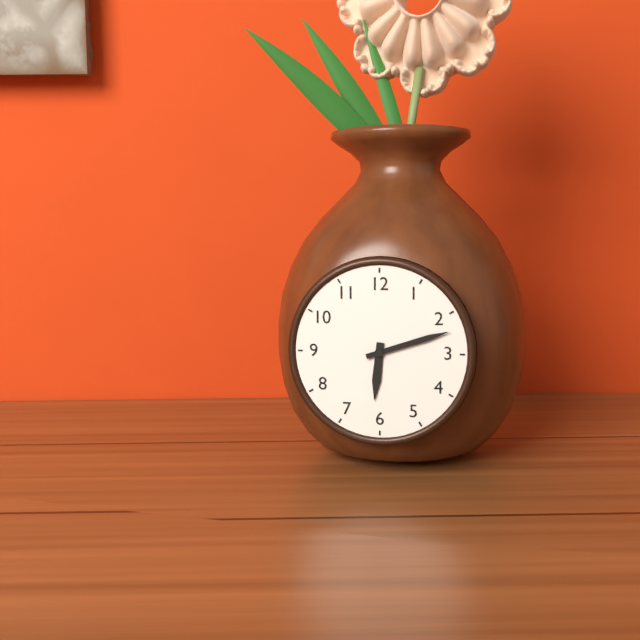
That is 6,12
